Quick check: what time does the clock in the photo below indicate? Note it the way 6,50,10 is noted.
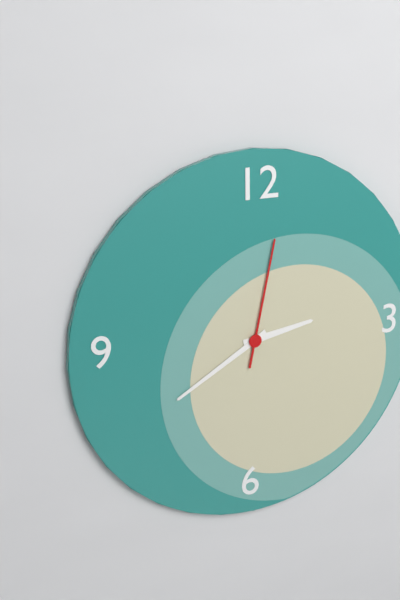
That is 2,40,02
